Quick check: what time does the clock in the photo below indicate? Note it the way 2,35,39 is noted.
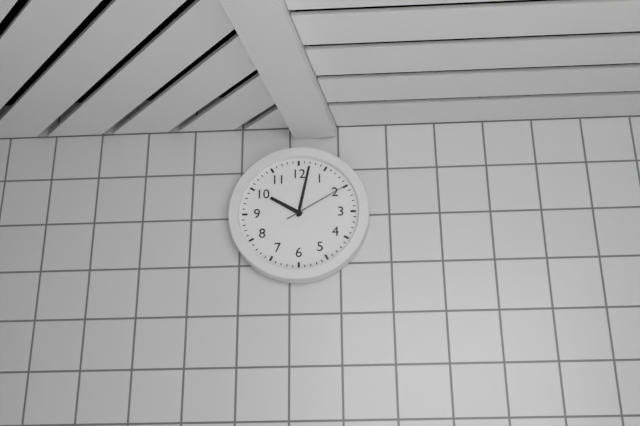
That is 10,02,10
